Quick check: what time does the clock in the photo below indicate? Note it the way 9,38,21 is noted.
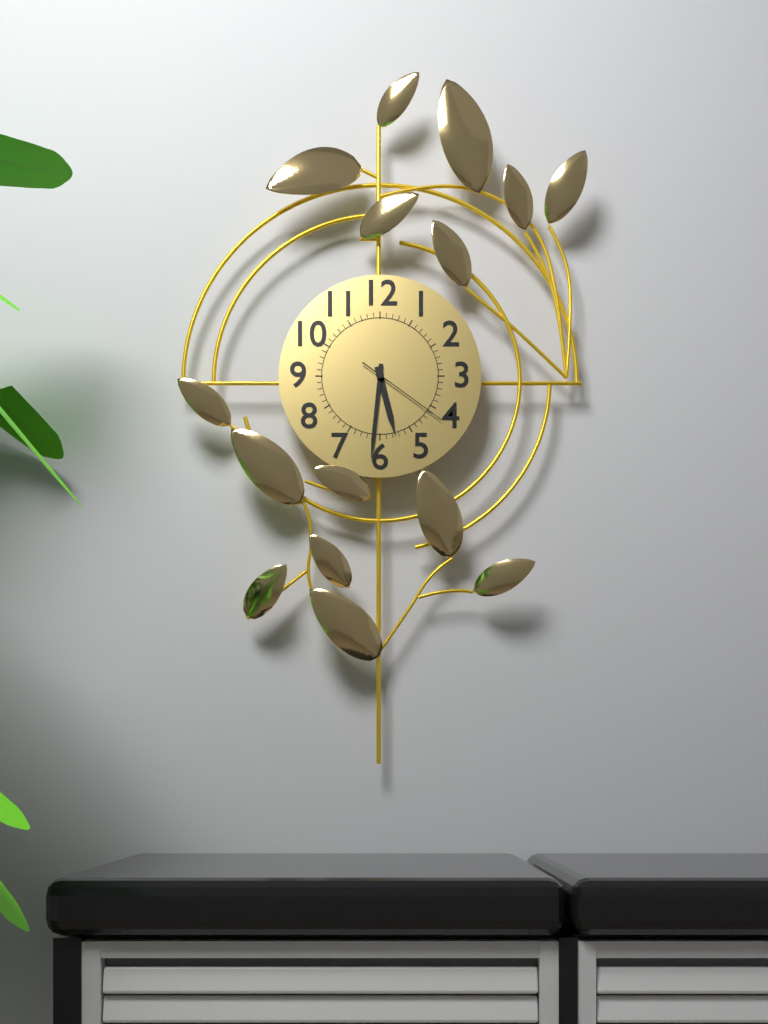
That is 5,31,21
